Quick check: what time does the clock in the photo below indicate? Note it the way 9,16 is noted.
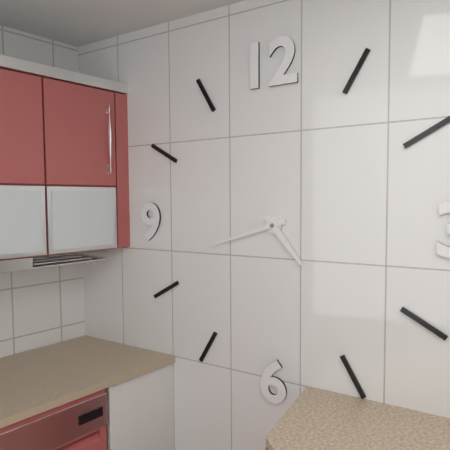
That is 4,42
